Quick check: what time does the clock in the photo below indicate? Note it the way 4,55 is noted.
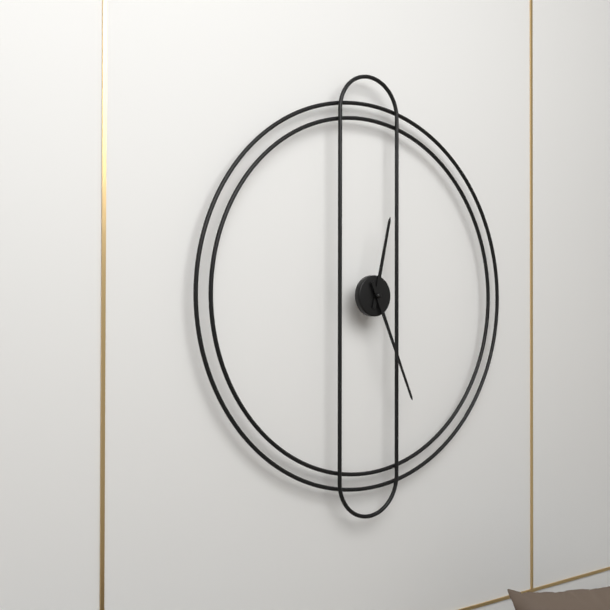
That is 12,26
